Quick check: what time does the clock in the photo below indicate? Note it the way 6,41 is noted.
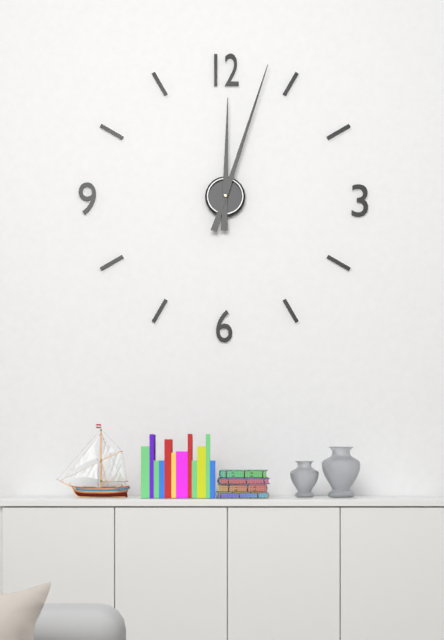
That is 12,03
